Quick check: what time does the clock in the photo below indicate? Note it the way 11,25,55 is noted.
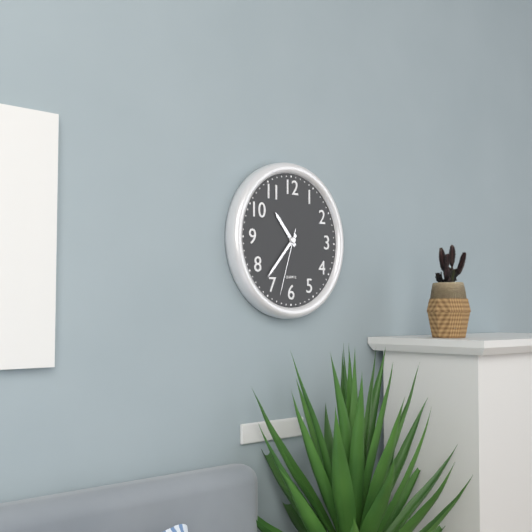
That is 10,37,33
